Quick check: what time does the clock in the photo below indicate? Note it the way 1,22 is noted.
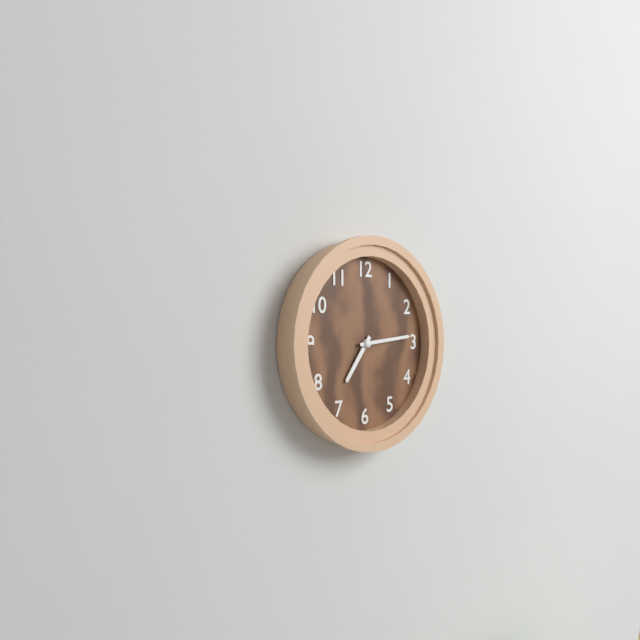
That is 7,14
